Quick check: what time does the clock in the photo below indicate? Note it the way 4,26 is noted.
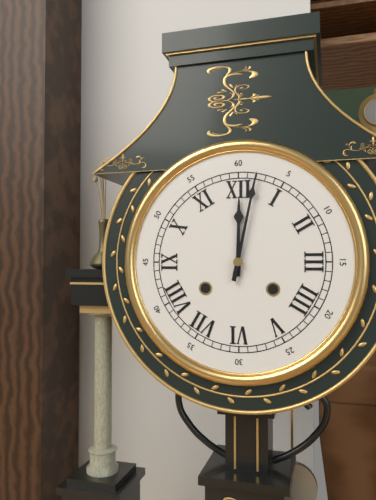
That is 12,02
